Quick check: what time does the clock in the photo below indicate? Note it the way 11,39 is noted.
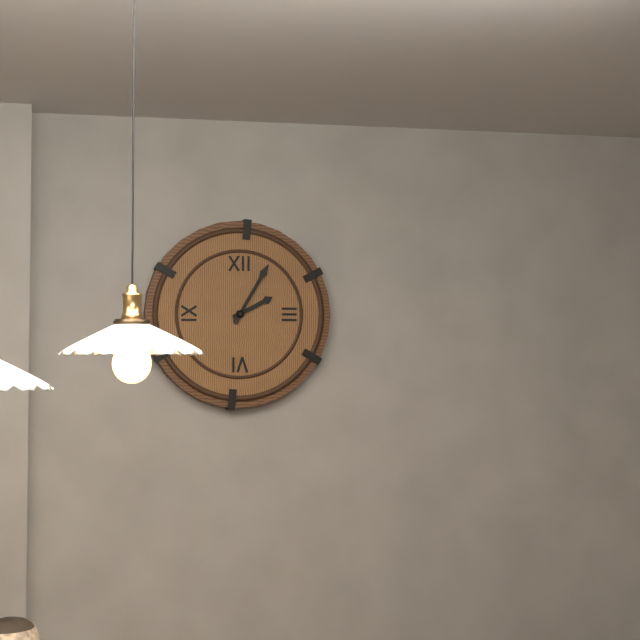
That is 2,05
